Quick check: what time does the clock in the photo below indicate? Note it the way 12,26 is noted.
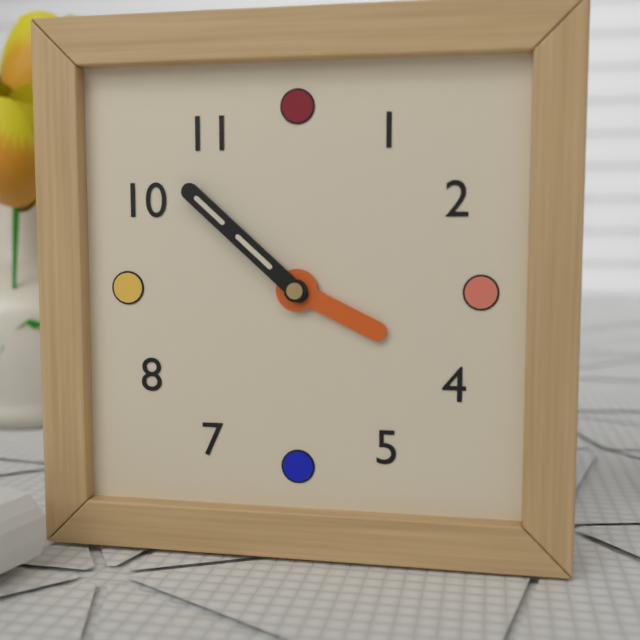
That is 3,52
